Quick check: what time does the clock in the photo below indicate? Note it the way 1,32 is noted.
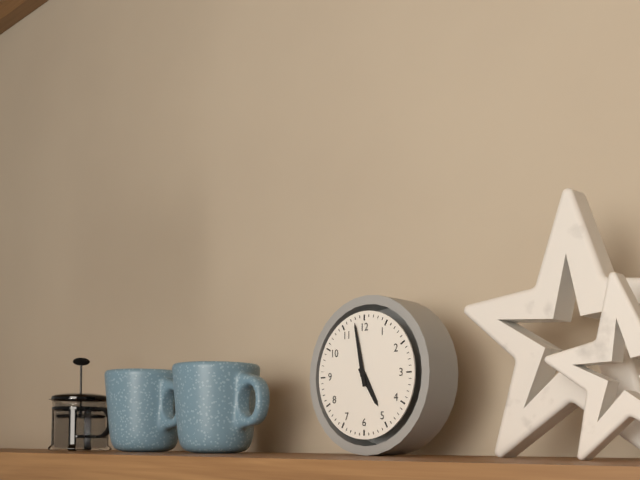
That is 4,58
